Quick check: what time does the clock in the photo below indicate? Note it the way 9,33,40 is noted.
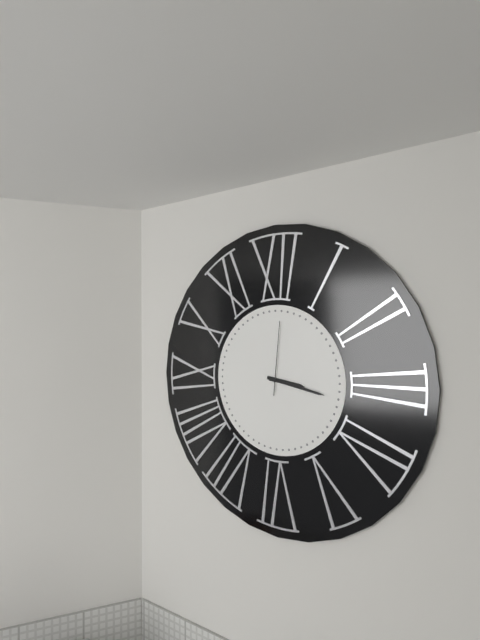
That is 3,17,01
